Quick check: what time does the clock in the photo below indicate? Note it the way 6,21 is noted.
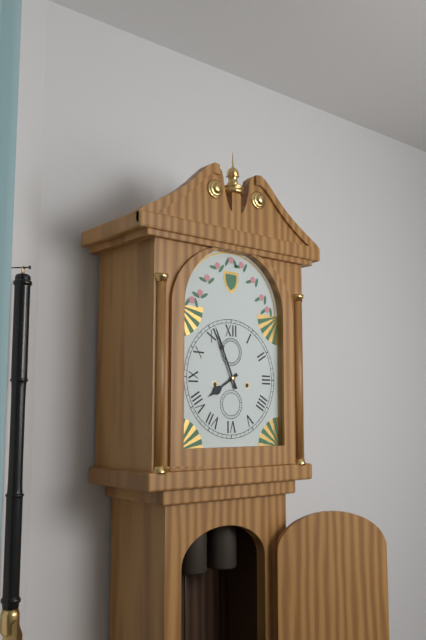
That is 7,56
